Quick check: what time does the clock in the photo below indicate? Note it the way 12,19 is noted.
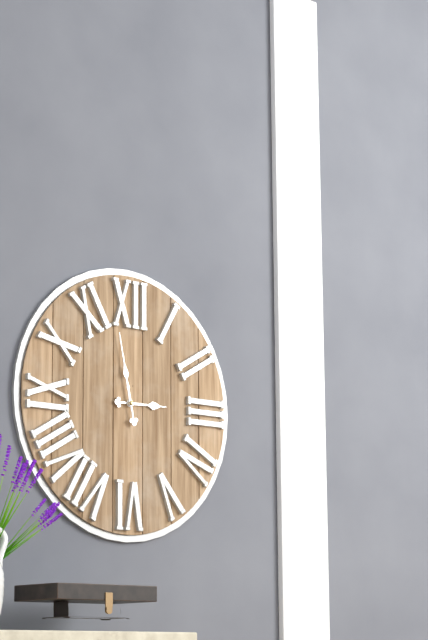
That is 2,58
